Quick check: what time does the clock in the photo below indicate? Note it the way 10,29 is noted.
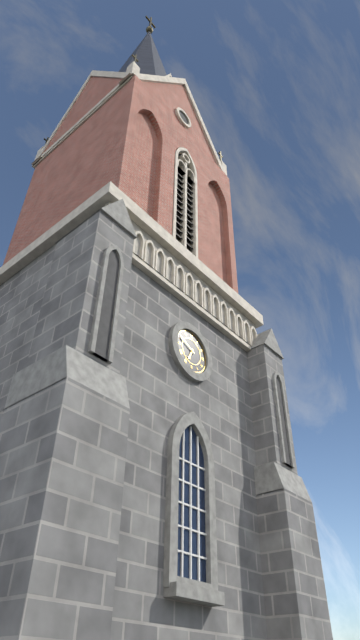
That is 6,49
